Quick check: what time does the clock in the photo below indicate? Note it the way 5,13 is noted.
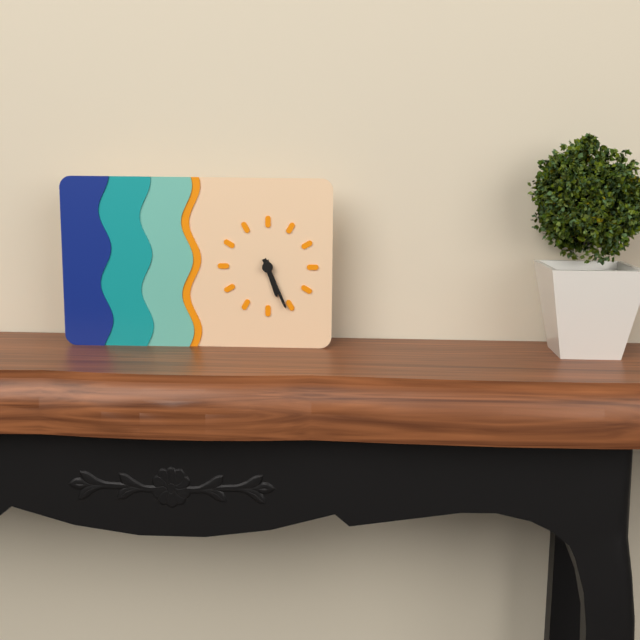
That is 5,26
